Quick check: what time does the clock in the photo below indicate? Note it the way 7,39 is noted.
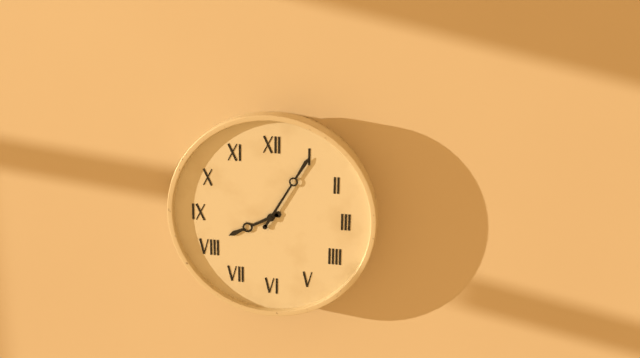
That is 8,05
